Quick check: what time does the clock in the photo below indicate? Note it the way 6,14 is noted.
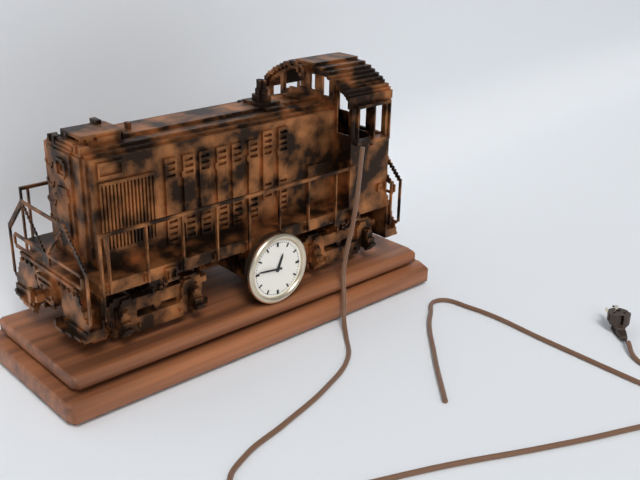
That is 12,46
